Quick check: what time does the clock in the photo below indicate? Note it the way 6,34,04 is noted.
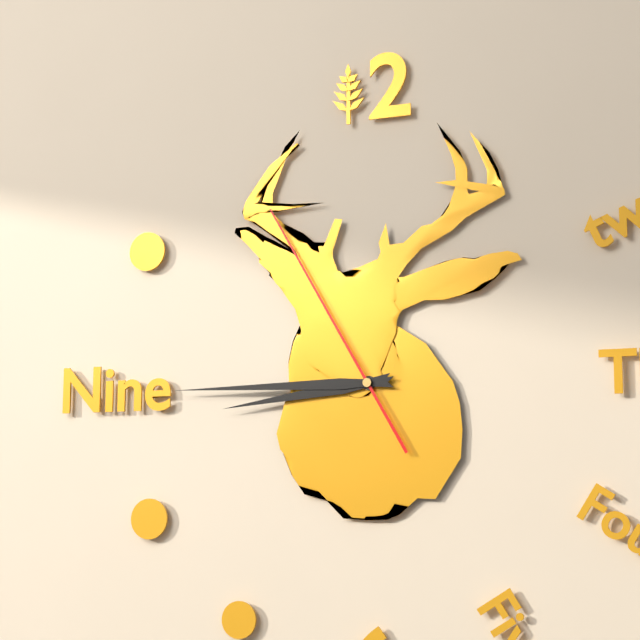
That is 8,45,55
